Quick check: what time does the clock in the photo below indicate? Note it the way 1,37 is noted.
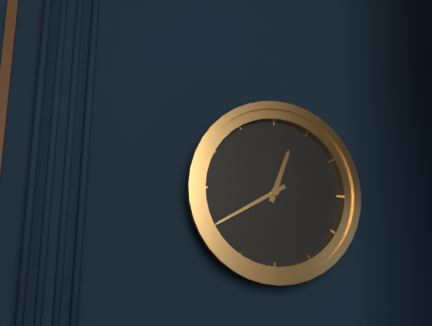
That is 12,40
